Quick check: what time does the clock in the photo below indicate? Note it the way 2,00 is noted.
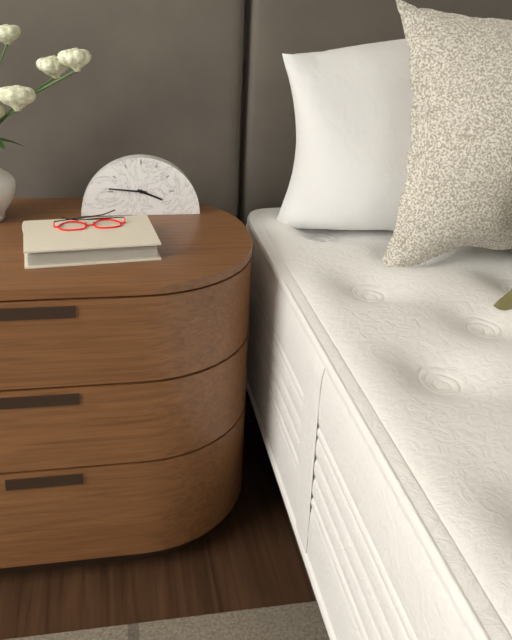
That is 3,46
